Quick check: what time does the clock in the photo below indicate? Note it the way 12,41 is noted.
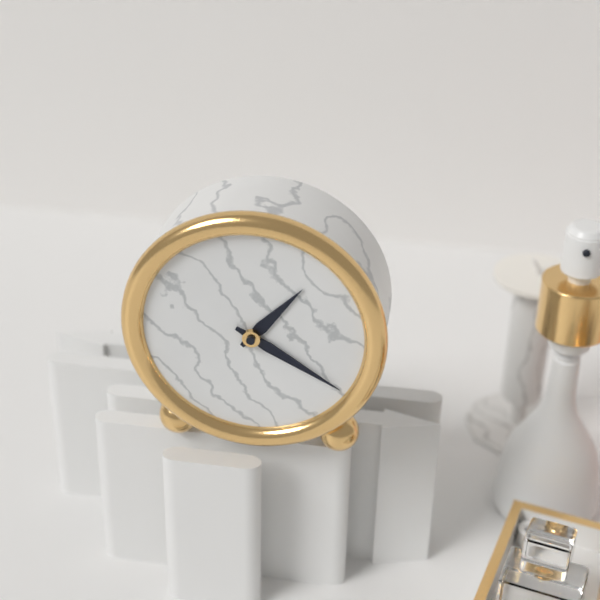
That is 1,20
